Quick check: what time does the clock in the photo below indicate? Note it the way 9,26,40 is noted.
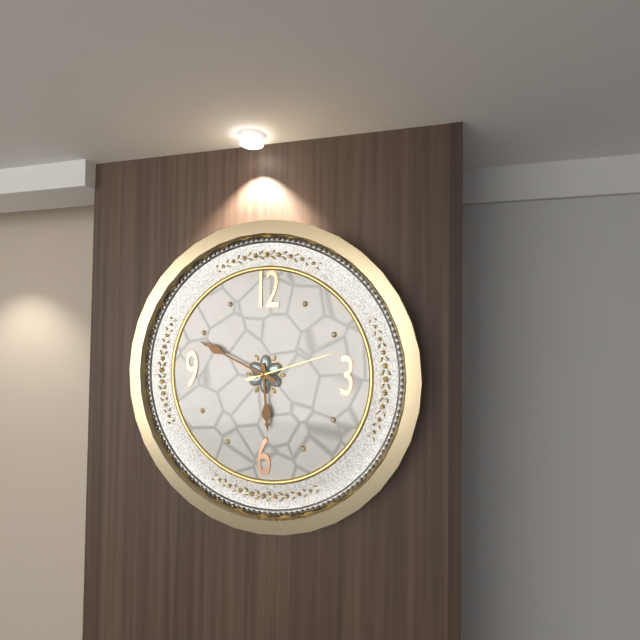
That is 5,49,12
